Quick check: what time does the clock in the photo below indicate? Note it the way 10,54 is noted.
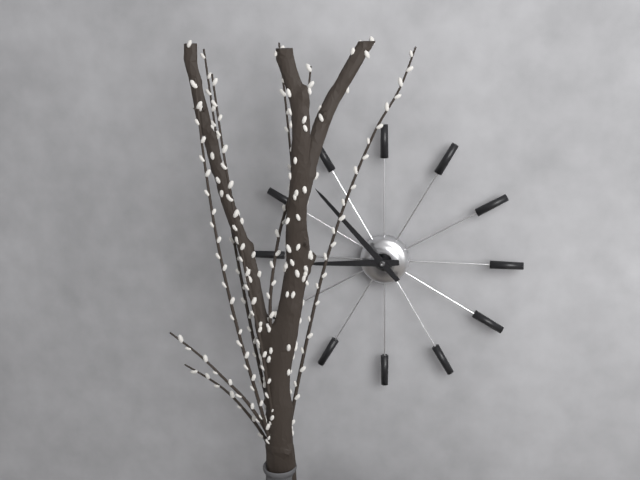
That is 8,53
